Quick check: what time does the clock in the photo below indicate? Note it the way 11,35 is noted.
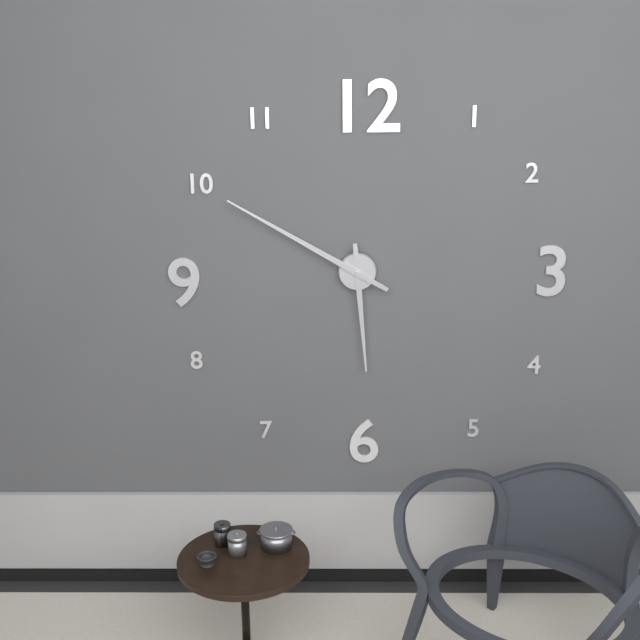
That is 5,50
